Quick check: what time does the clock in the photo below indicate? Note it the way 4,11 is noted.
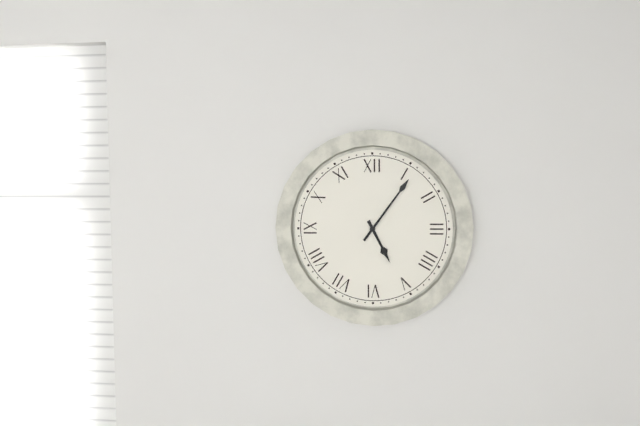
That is 5,06
